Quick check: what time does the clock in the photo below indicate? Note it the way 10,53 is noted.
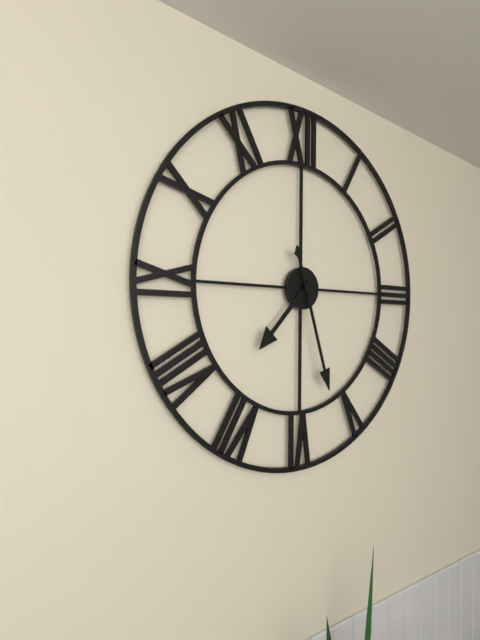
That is 7,27
